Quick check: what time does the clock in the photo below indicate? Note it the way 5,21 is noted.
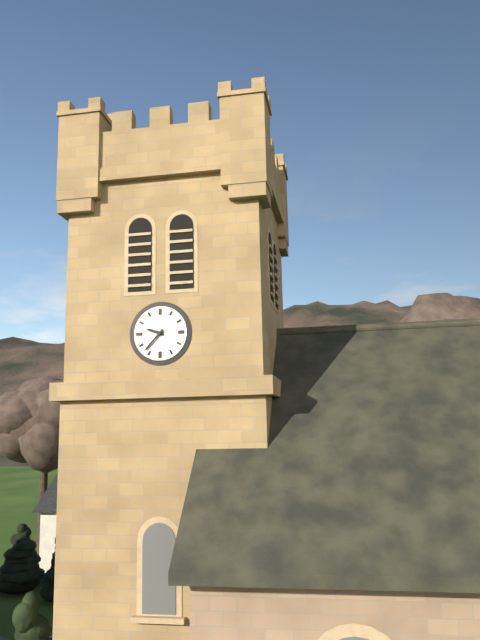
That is 9,37
